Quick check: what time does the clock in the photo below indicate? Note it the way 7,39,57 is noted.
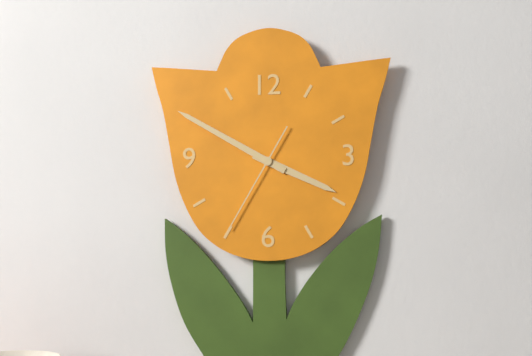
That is 3,50,35
